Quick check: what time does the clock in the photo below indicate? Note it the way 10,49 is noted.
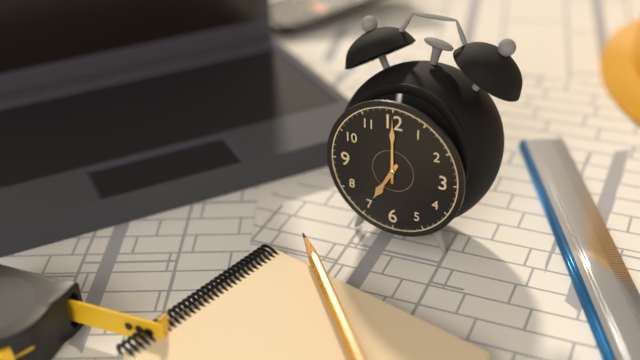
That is 7,00
